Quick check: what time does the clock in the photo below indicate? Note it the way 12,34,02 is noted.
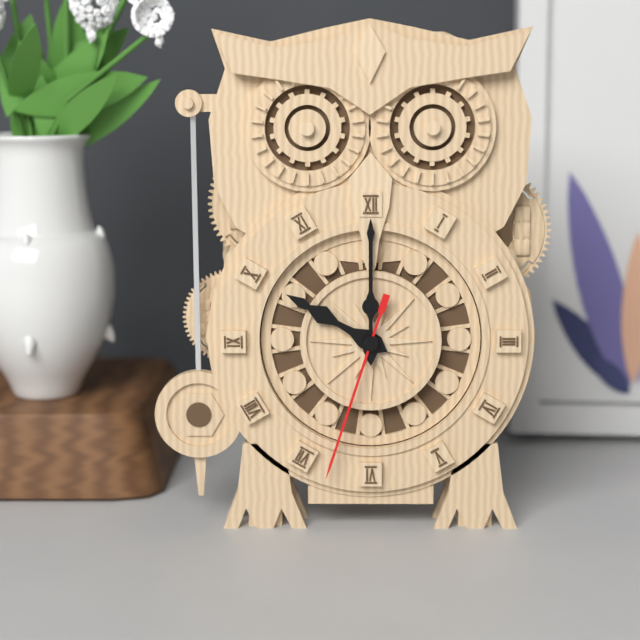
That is 10,00,33
